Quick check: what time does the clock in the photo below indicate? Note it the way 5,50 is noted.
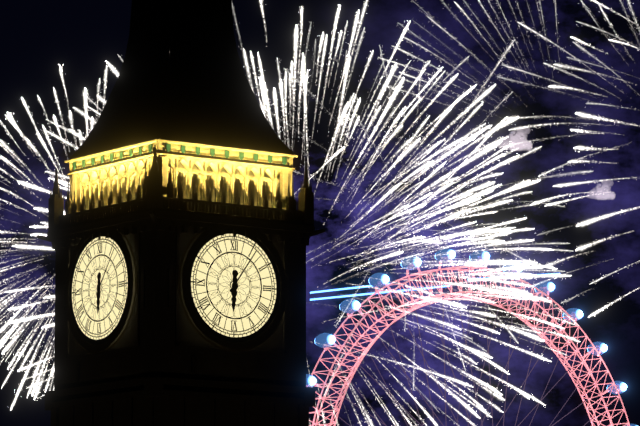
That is 6,06
